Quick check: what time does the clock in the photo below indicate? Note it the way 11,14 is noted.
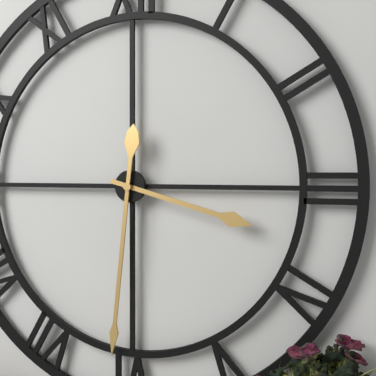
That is 3,31
